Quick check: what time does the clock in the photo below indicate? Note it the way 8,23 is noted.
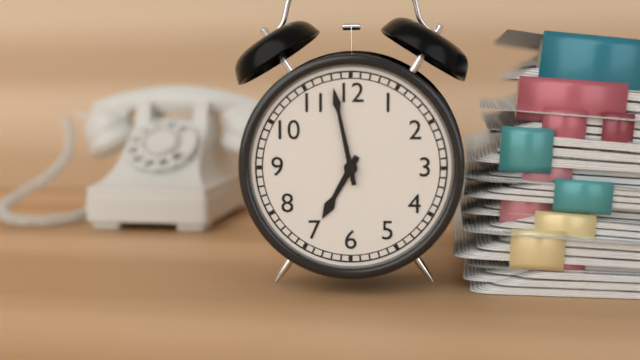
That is 6,58
